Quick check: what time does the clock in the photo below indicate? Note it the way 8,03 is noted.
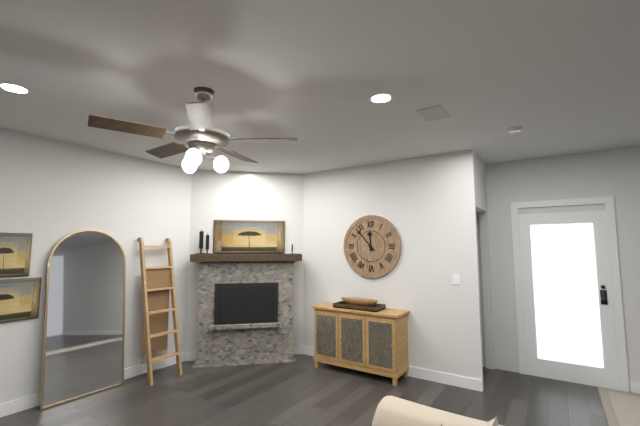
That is 11,53
